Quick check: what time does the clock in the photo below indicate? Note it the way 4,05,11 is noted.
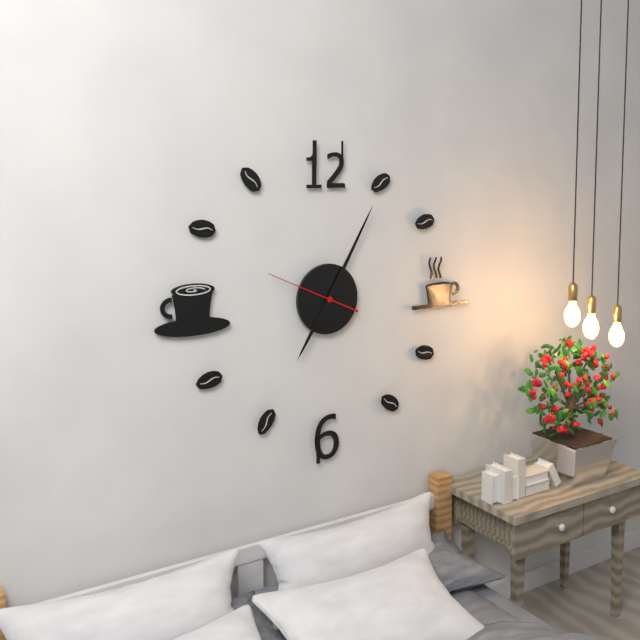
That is 7,05,49
